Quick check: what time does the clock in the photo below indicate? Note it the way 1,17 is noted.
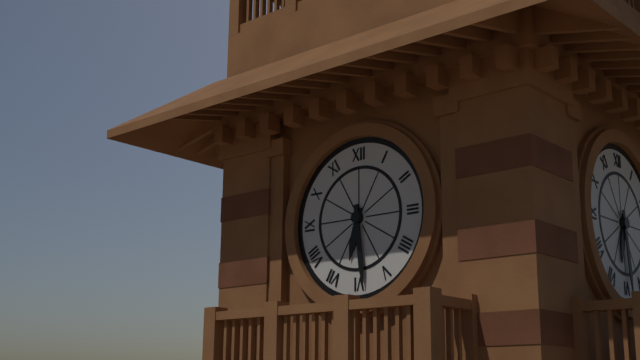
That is 6,29
